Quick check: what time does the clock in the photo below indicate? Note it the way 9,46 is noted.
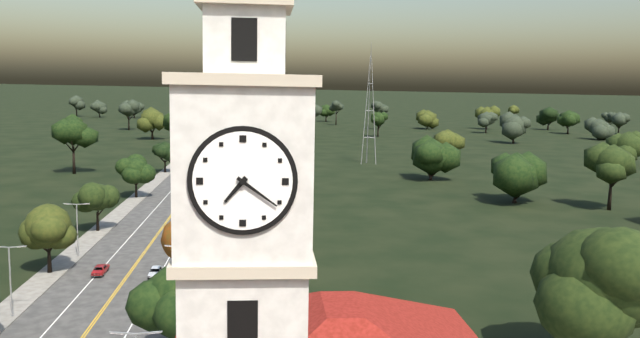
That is 7,21
